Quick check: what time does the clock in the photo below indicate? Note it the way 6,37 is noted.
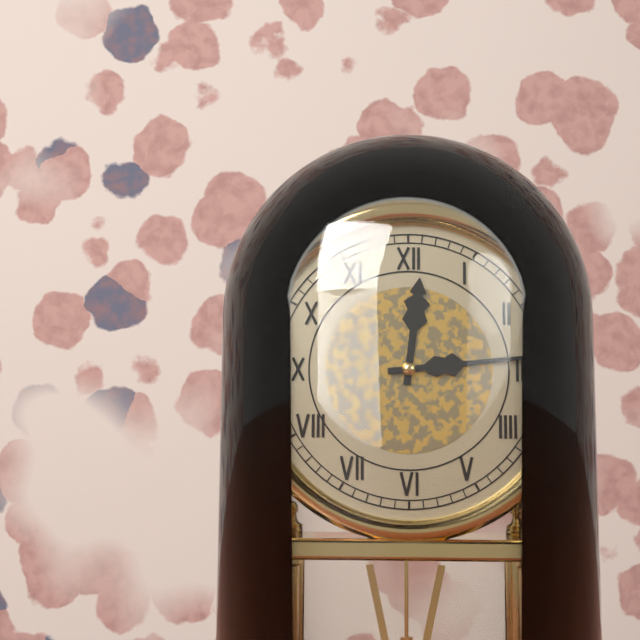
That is 12,14
